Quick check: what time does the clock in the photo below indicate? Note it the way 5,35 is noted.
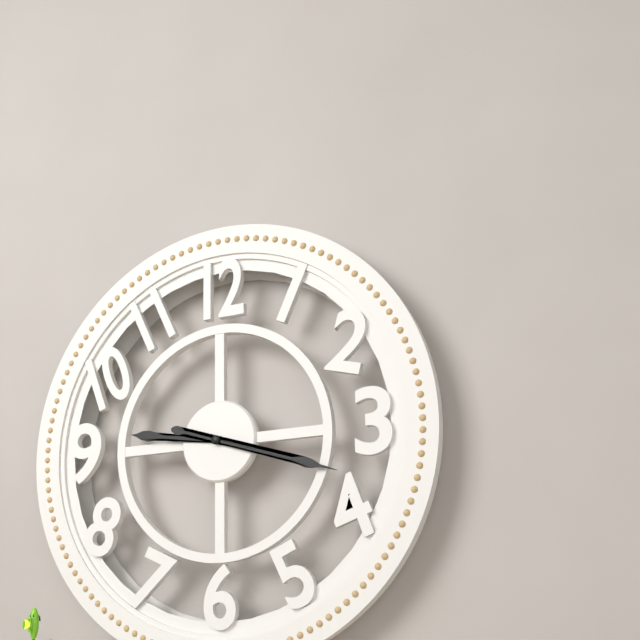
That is 9,18
